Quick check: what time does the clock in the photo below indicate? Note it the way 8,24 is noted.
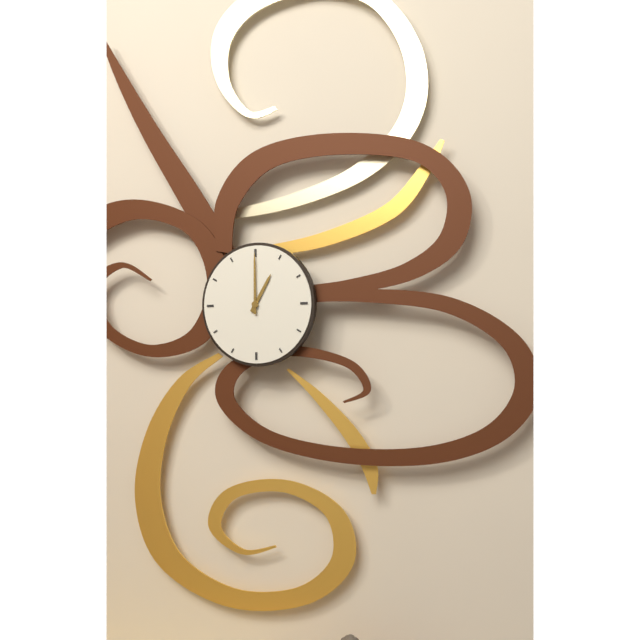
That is 1,00
